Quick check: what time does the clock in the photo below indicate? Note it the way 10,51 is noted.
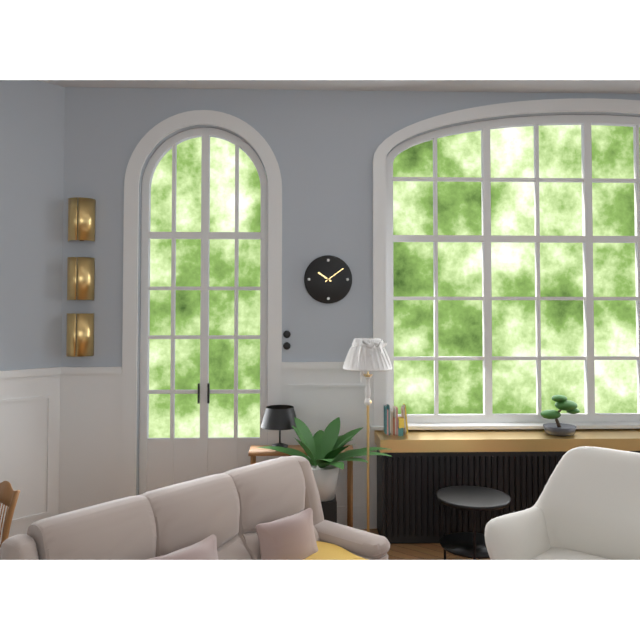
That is 10,09
